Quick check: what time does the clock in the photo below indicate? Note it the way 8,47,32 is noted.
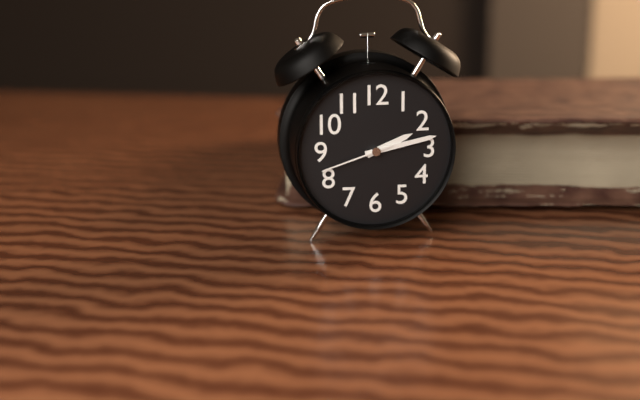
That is 2,13,42
